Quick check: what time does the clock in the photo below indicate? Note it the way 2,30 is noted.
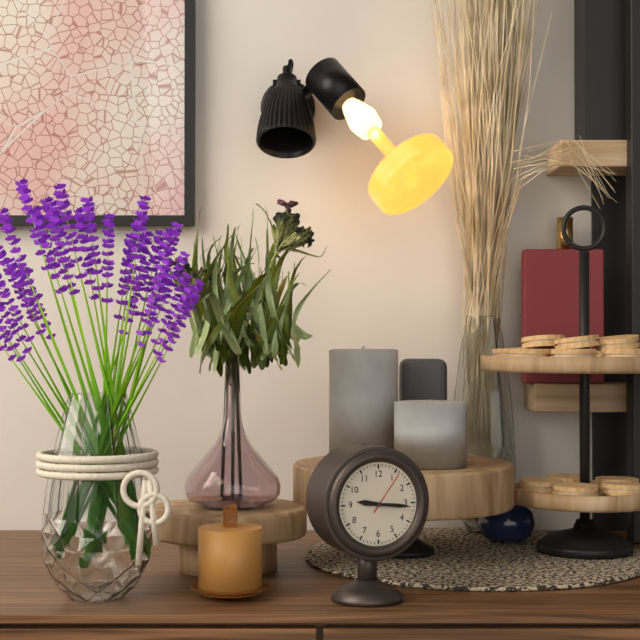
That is 9,16
